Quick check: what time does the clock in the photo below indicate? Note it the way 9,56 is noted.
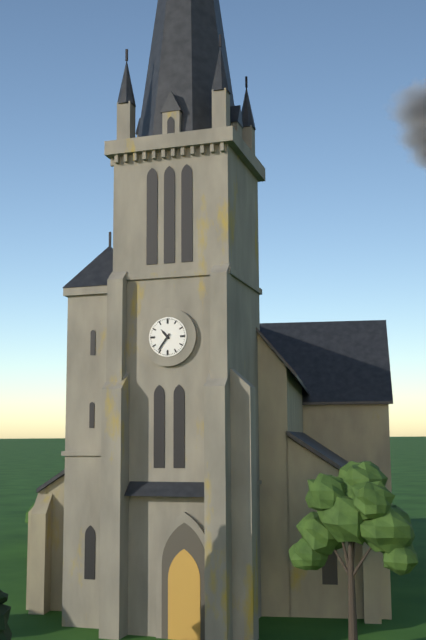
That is 10,36
